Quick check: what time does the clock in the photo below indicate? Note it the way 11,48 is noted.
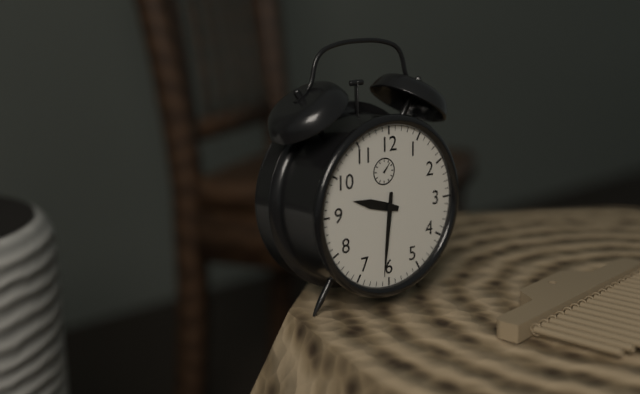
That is 9,31
